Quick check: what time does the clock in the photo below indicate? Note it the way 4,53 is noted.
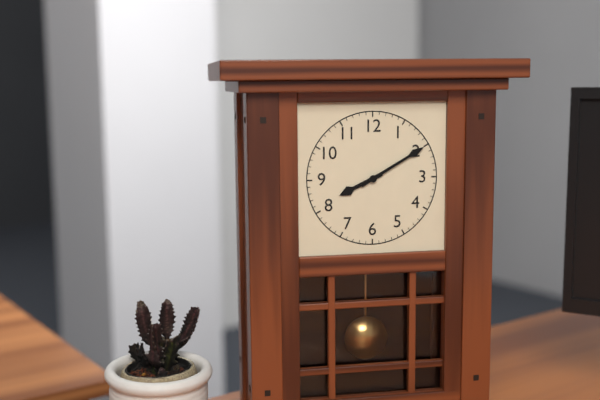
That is 8,10
